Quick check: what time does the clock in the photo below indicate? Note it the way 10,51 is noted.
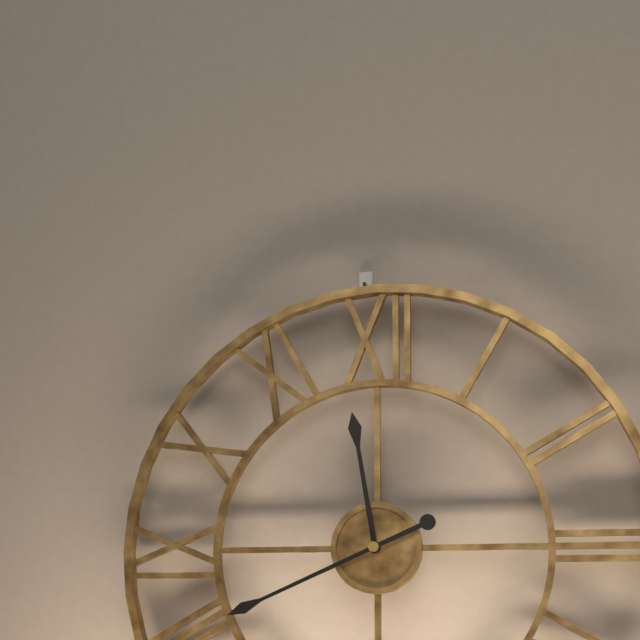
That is 11,41
